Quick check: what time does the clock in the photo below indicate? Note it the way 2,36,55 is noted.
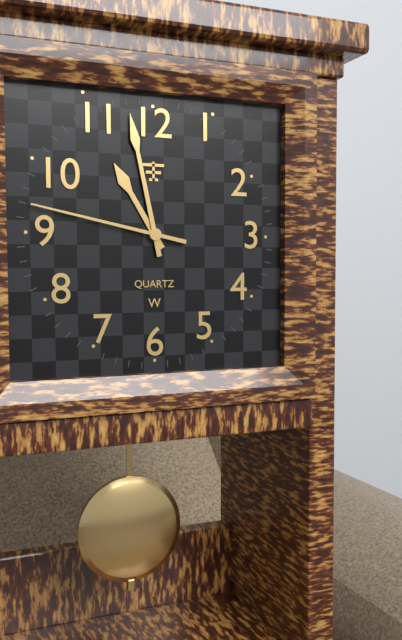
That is 10,58,47
